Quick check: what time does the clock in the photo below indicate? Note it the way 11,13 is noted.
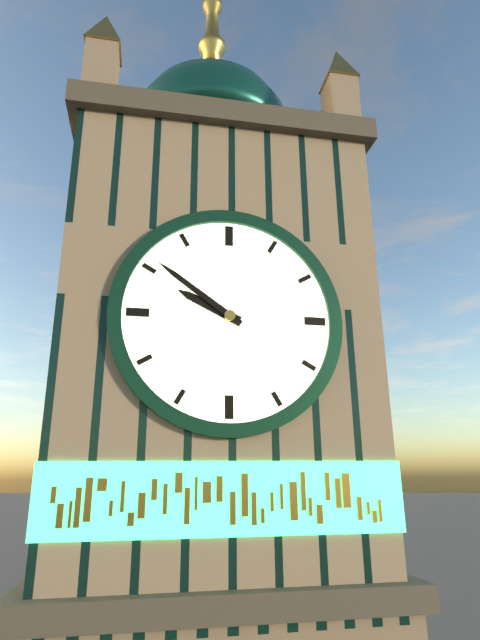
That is 9,51
